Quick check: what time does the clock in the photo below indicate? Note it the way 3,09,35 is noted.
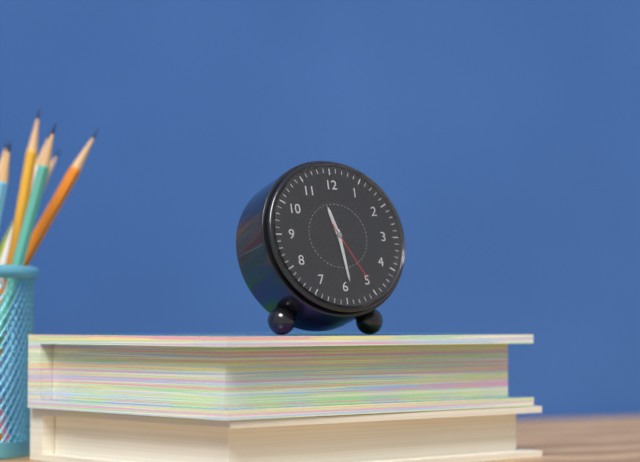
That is 11,29,25
